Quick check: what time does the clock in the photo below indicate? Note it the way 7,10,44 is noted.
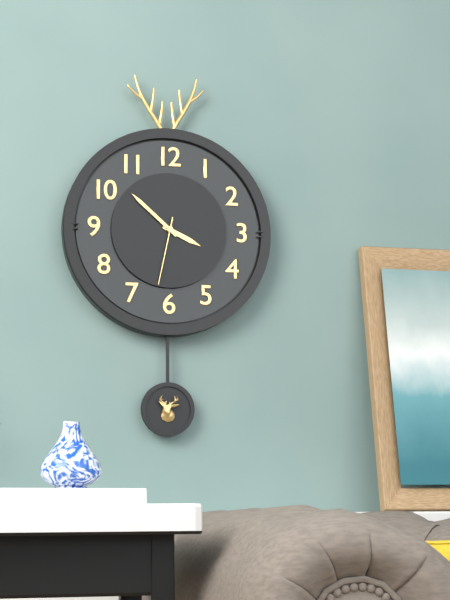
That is 3,52,32
